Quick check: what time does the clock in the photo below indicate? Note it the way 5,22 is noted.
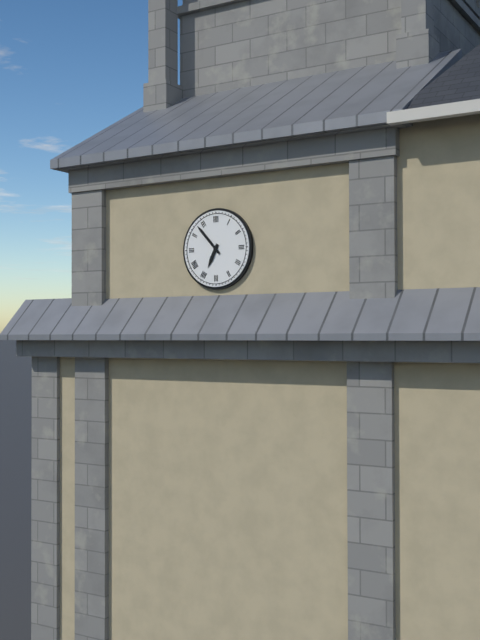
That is 6,53
